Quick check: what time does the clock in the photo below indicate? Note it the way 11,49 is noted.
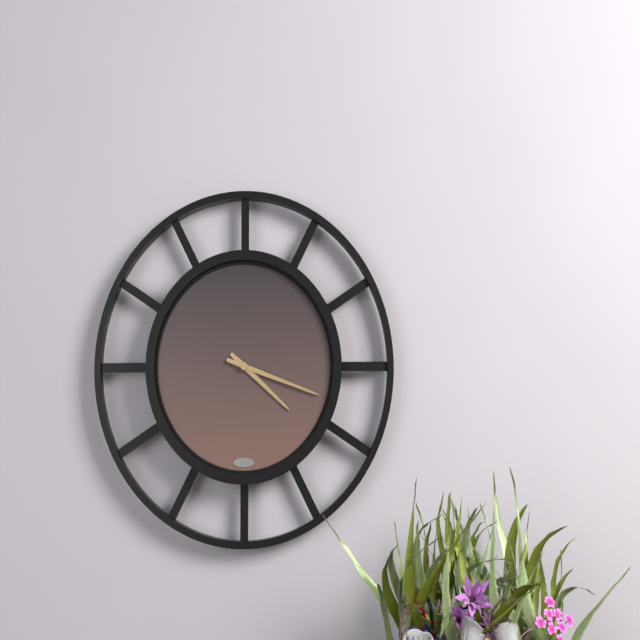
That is 4,18
